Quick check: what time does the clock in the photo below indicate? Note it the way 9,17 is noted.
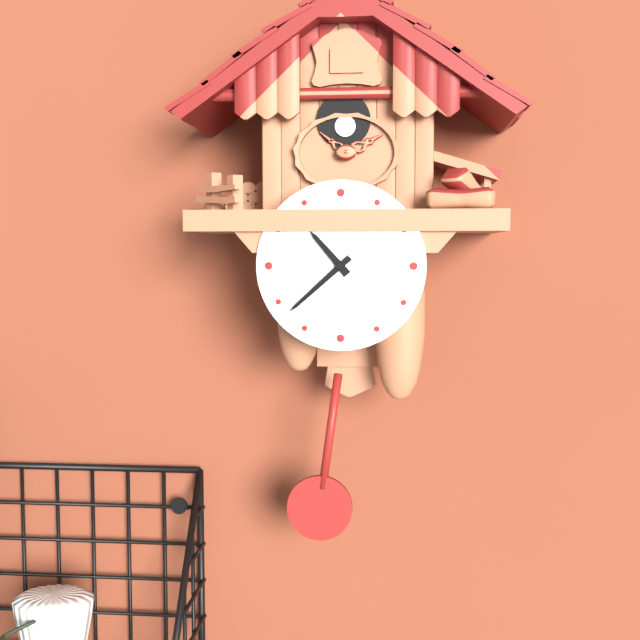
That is 10,38
